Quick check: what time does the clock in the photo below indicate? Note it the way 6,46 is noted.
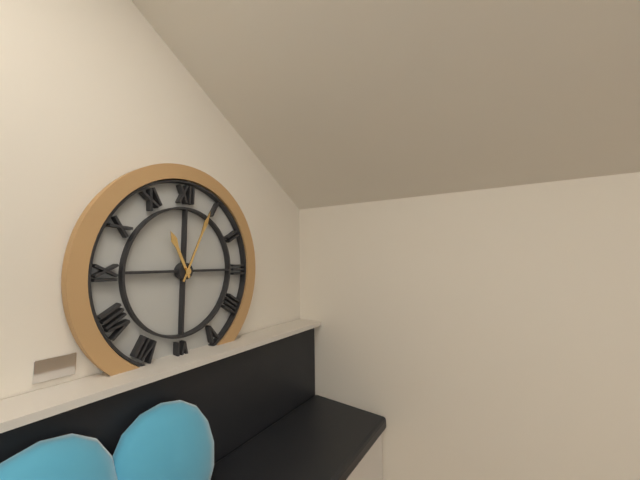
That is 11,04
